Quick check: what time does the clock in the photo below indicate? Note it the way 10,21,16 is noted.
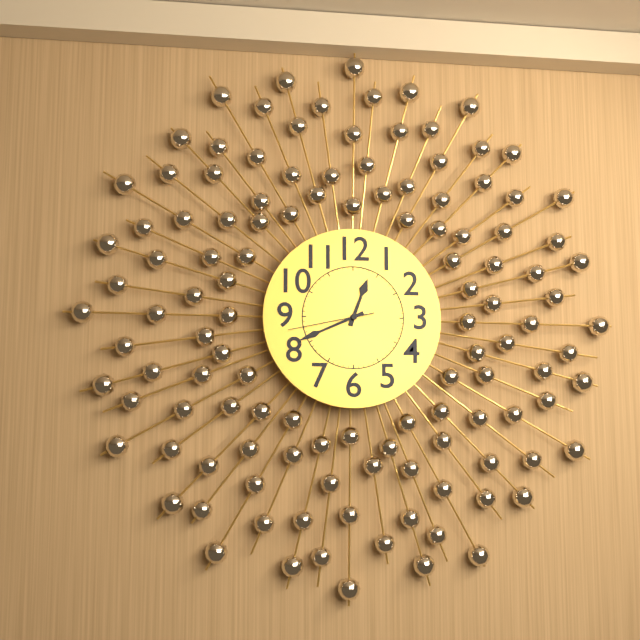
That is 12,41,43
